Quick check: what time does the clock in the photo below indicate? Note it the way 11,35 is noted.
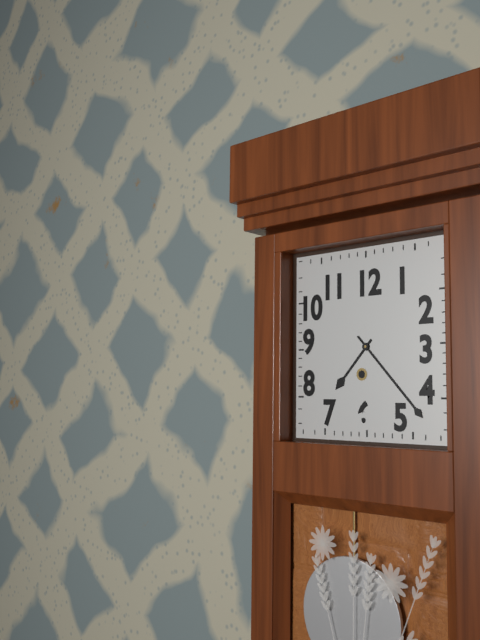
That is 7,23
